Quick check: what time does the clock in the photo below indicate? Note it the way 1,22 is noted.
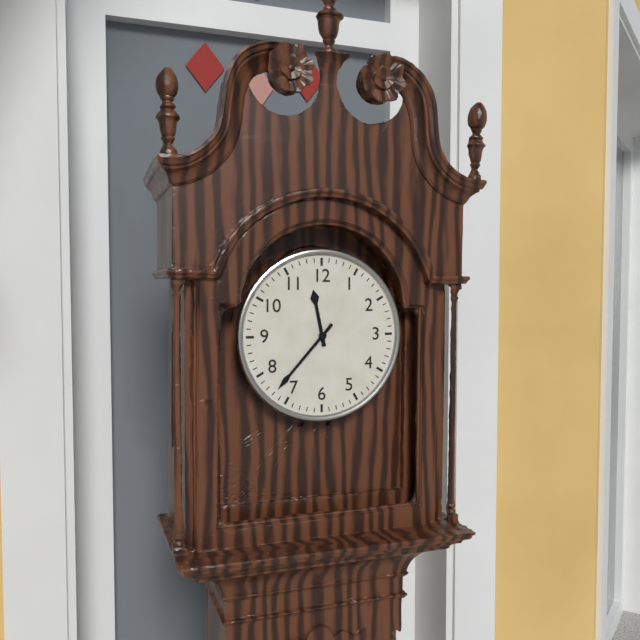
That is 11,37
